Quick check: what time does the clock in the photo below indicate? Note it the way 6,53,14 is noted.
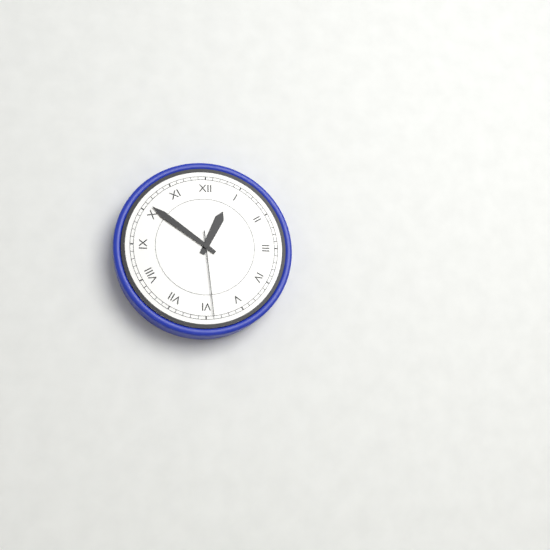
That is 12,51,29
